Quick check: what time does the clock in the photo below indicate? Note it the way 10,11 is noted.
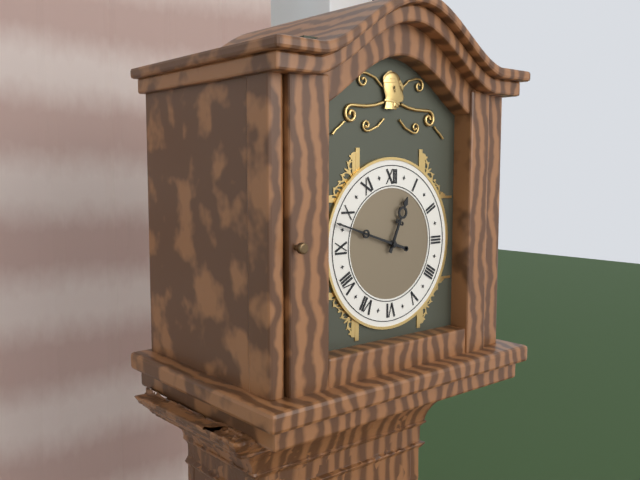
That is 12,48
